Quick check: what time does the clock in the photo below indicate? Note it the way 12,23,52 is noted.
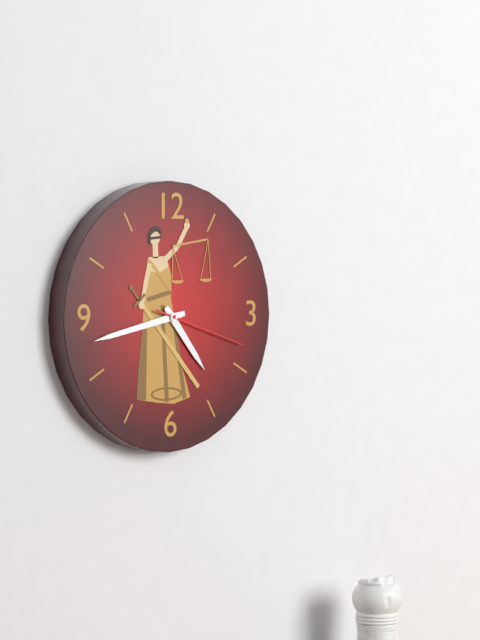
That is 4,43,18
